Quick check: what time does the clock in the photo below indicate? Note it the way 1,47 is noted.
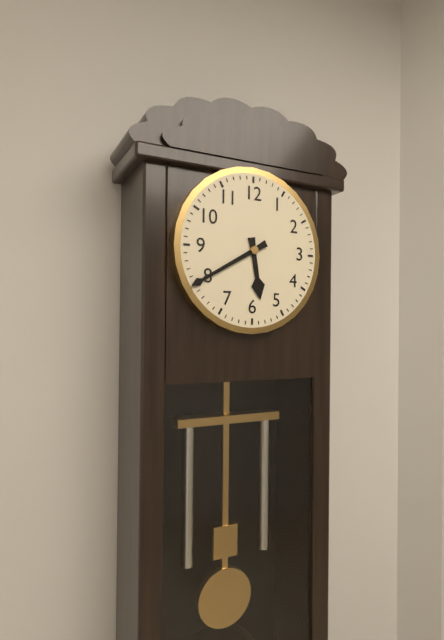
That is 5,40
